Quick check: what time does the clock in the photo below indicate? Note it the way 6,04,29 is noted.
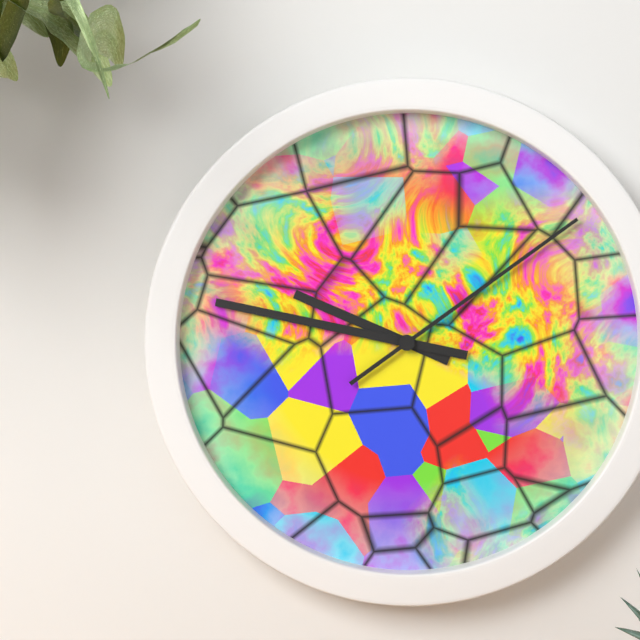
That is 9,47,09
